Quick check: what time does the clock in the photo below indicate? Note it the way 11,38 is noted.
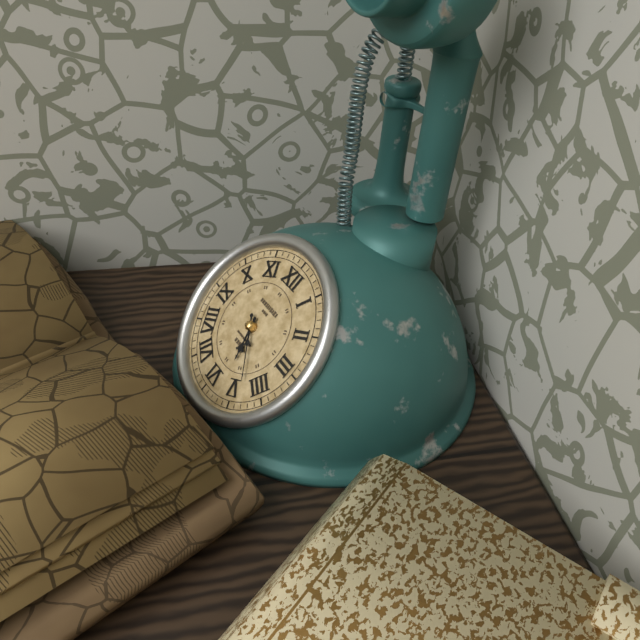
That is 5,23
